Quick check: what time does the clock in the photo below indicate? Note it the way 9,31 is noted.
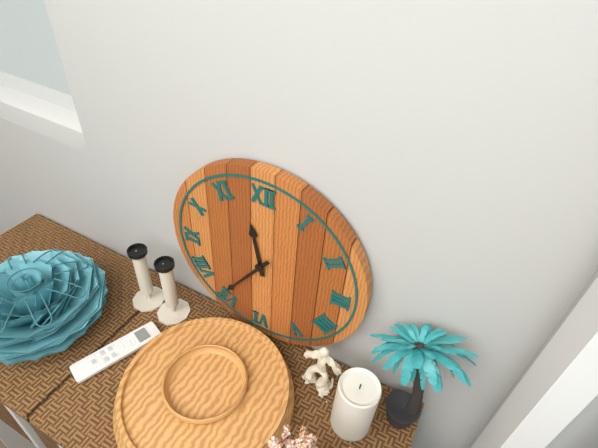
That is 11,36
